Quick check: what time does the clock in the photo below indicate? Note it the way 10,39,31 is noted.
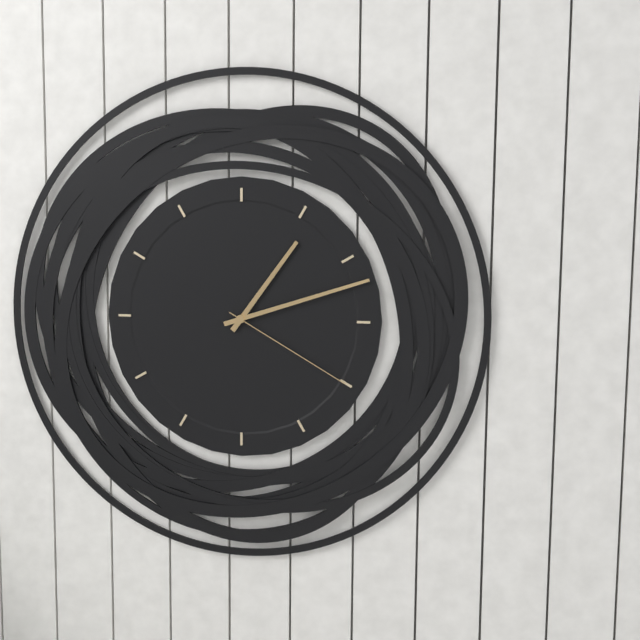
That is 1,12,20
